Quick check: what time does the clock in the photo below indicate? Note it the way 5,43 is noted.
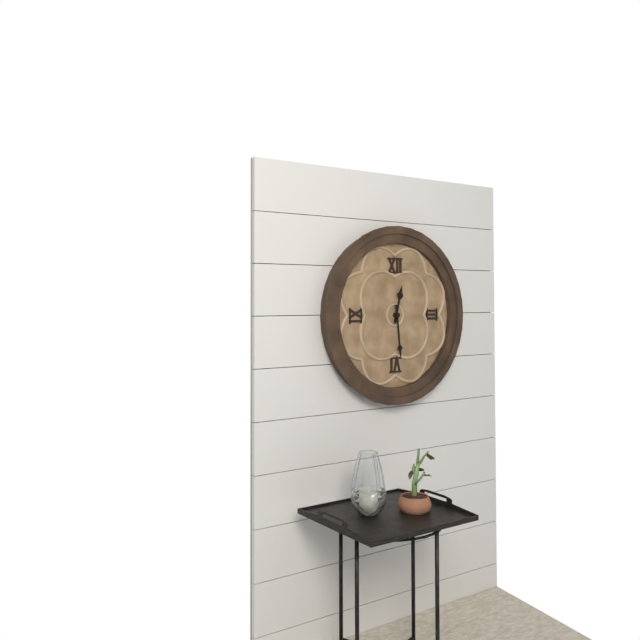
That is 12,29
